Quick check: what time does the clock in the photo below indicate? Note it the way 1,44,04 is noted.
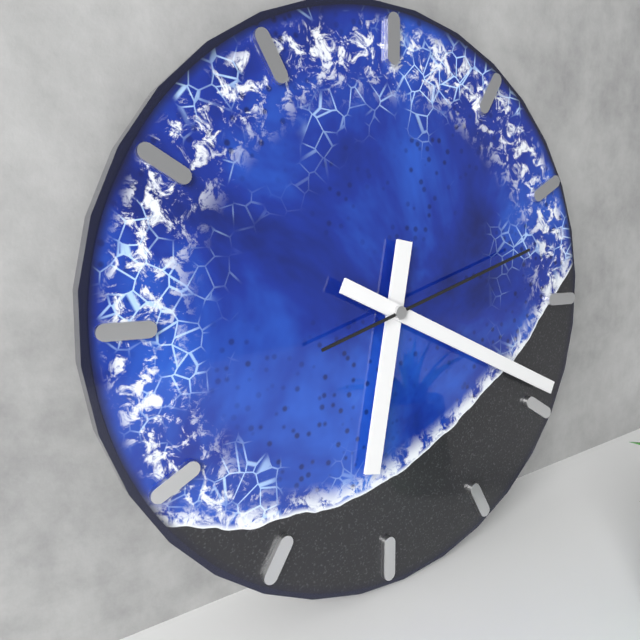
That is 6,19,12
